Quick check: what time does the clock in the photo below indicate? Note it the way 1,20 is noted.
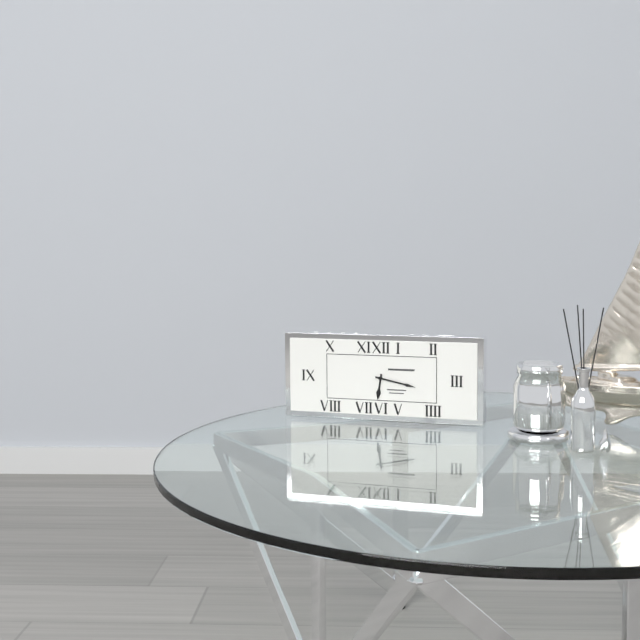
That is 6,17
